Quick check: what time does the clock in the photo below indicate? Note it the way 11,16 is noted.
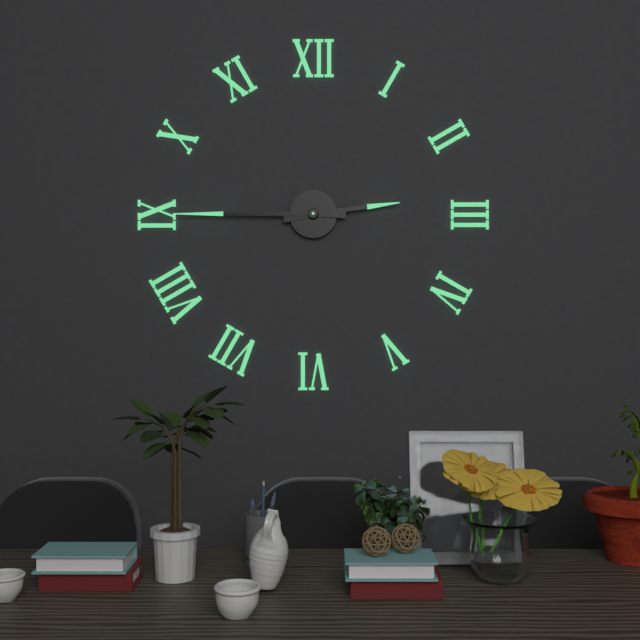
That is 2,45
